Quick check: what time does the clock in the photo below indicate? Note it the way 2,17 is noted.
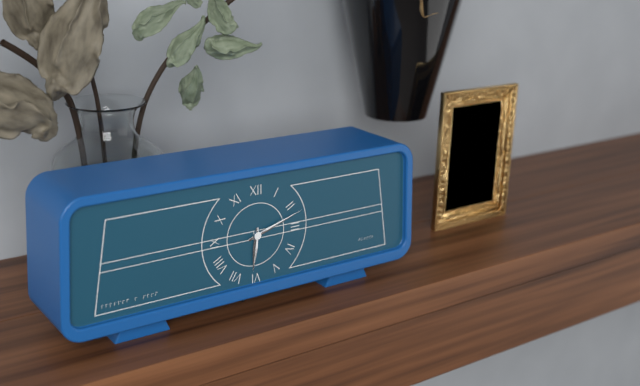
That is 6,12
